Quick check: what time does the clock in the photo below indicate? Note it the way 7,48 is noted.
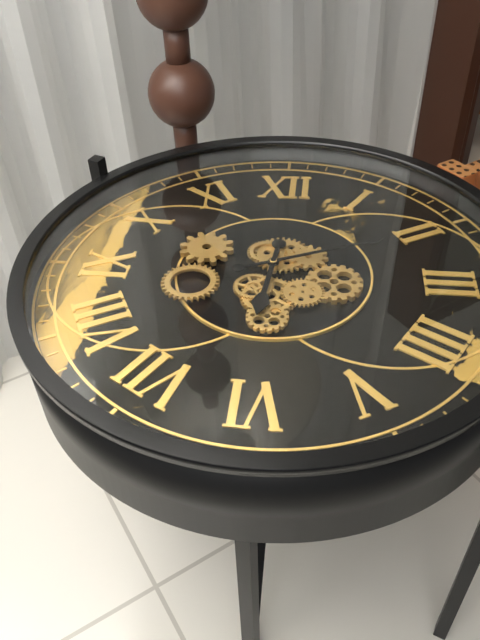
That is 6,11
